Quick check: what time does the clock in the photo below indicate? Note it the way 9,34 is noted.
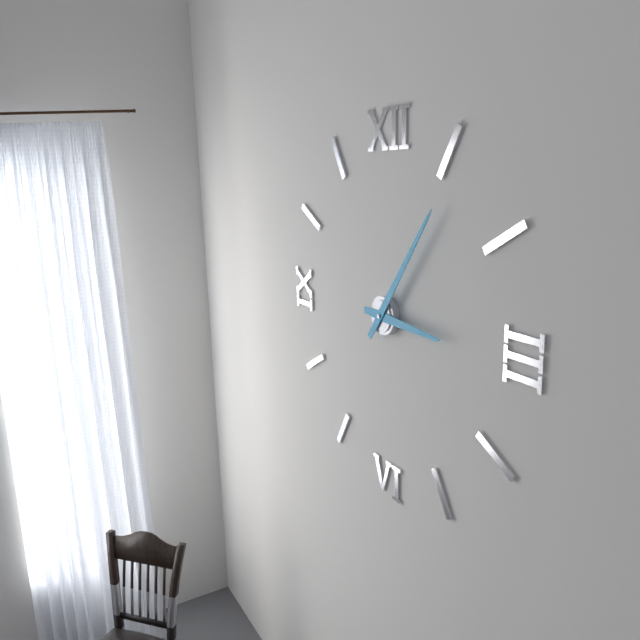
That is 3,06
